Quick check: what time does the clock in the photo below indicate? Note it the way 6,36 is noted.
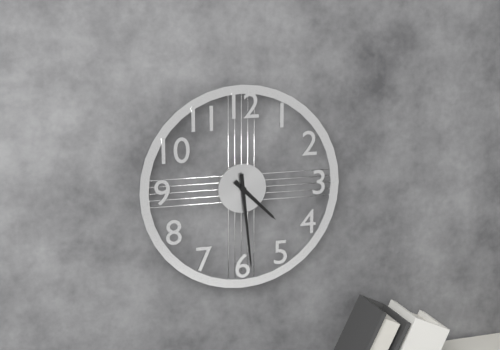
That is 4,29
